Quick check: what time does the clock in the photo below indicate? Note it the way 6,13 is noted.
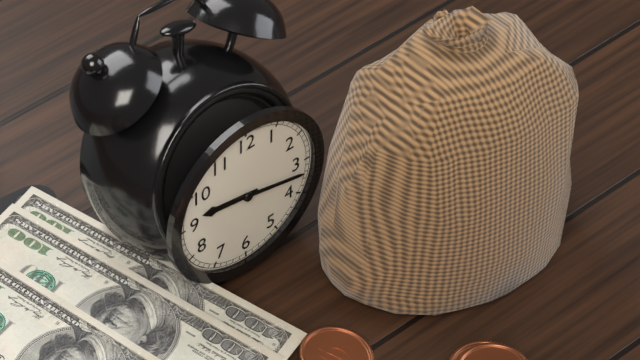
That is 9,17
